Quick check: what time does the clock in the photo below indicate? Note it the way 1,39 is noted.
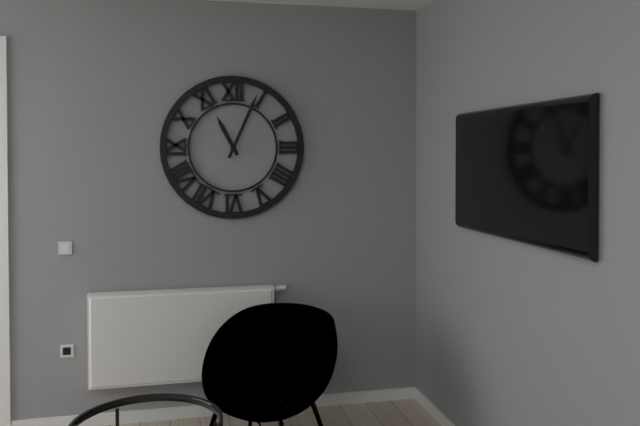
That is 11,04
